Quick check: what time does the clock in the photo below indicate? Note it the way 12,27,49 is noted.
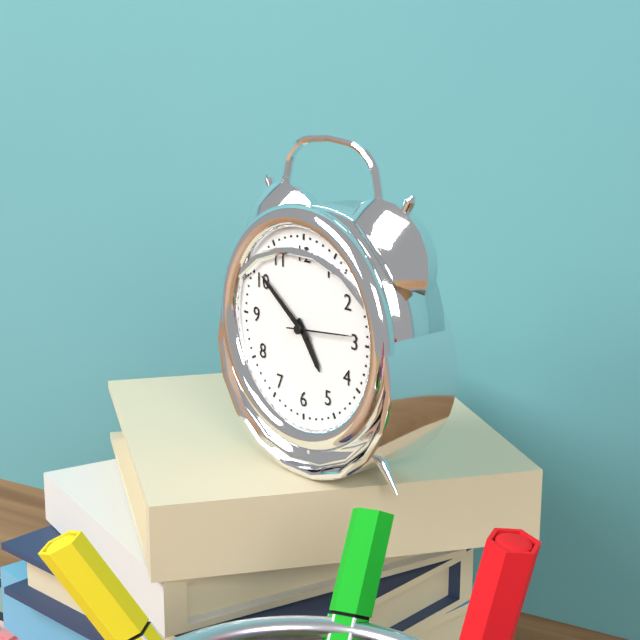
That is 4,51,14
